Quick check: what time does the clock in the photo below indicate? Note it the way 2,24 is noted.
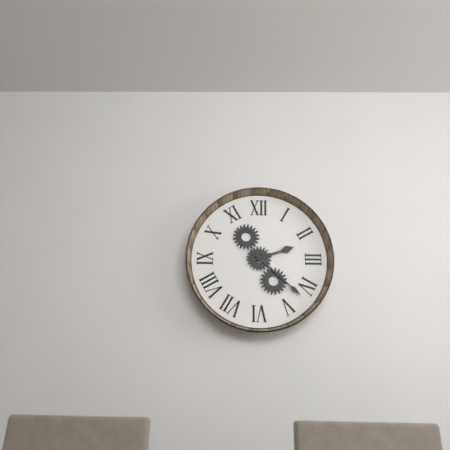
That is 2,22
